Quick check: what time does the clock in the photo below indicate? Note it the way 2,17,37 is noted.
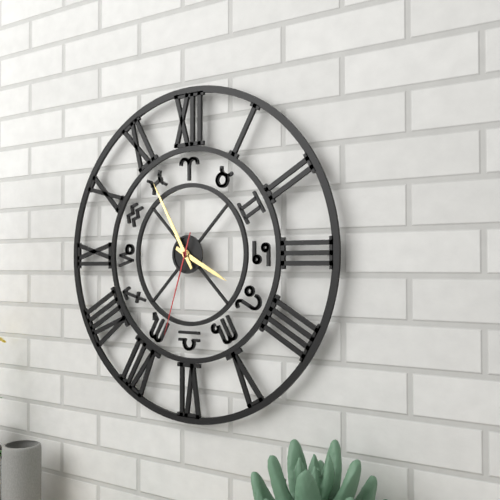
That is 3,55,33
